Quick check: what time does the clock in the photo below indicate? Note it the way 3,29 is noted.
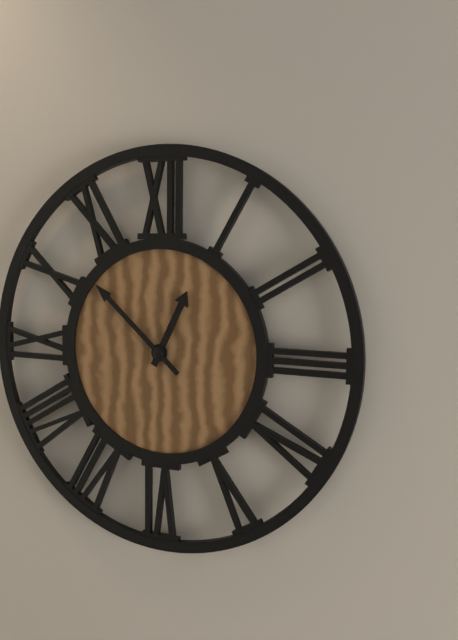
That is 12,52
